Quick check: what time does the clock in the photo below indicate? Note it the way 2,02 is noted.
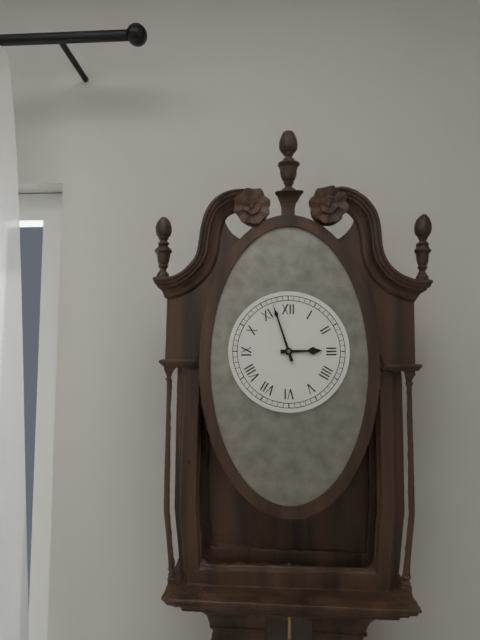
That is 2,57
